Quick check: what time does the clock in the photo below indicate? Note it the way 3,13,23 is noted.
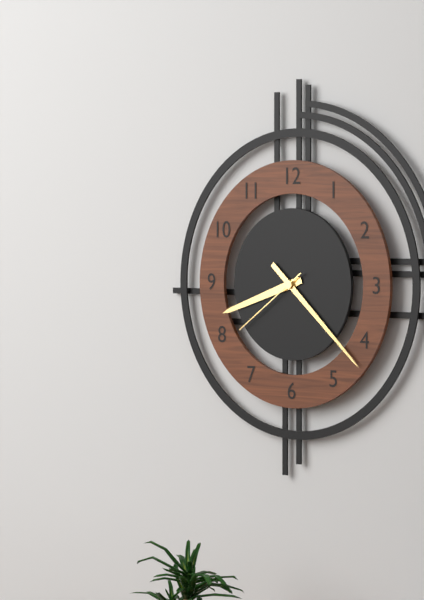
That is 8,22,39
